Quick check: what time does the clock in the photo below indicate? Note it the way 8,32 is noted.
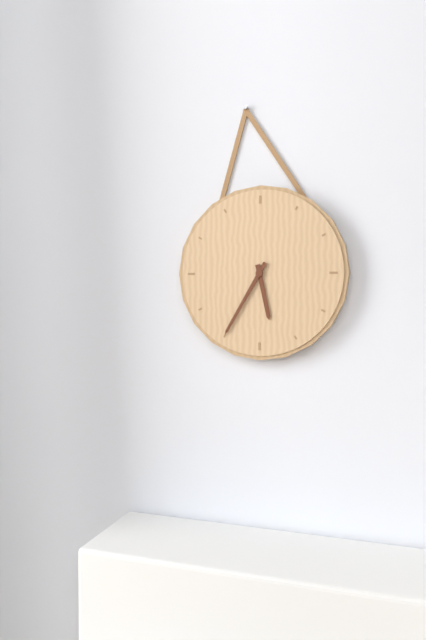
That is 5,35
